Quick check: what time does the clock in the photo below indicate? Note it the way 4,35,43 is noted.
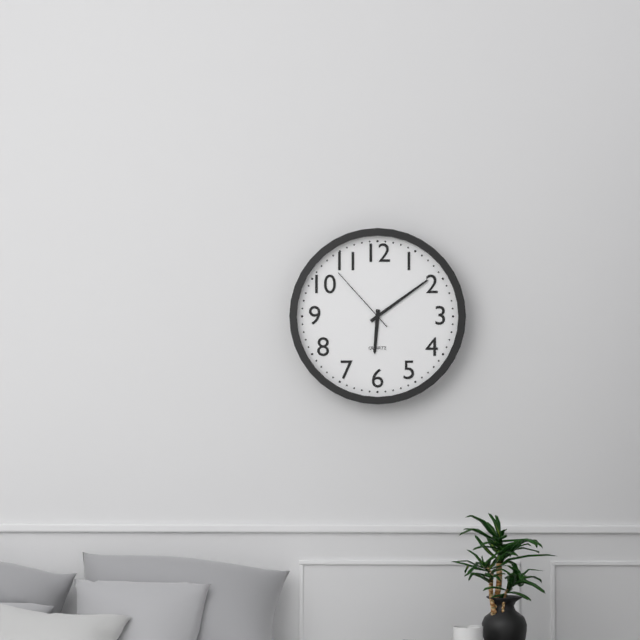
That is 6,09,53
